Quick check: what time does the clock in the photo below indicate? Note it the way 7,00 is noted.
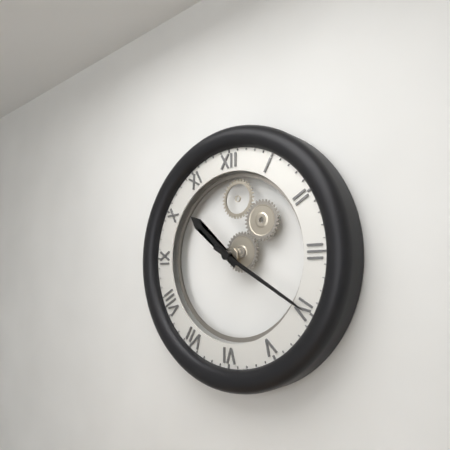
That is 10,20
